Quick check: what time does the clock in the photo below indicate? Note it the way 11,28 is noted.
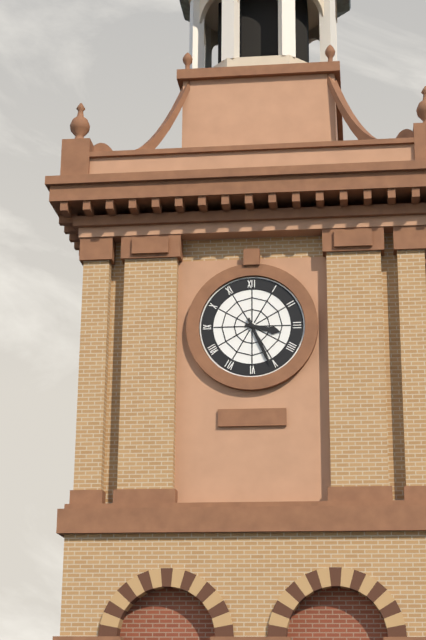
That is 3,26
